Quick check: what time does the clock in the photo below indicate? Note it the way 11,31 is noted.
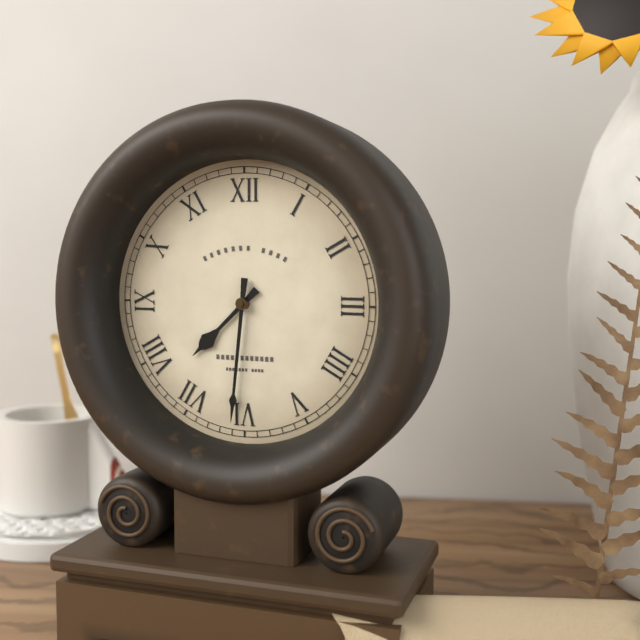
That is 7,31
